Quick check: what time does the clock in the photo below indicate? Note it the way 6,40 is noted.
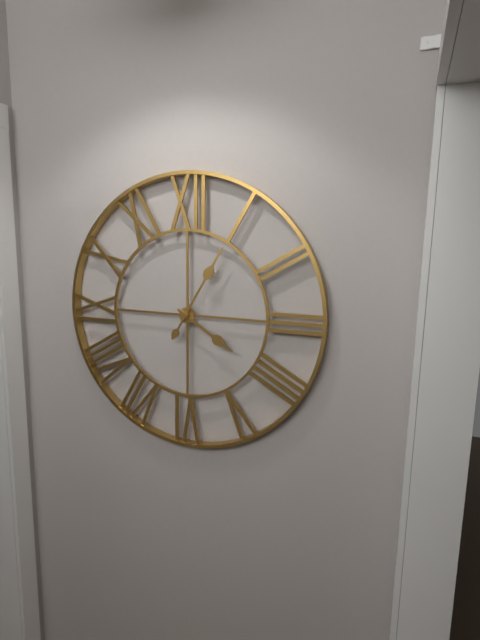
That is 4,05
